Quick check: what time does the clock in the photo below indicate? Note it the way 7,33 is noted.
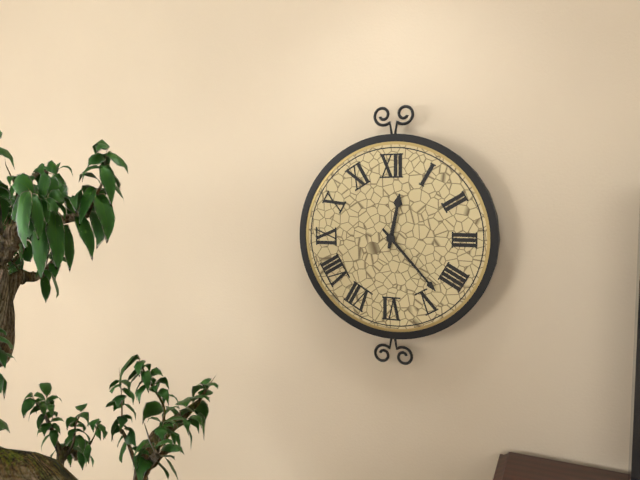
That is 12,23
